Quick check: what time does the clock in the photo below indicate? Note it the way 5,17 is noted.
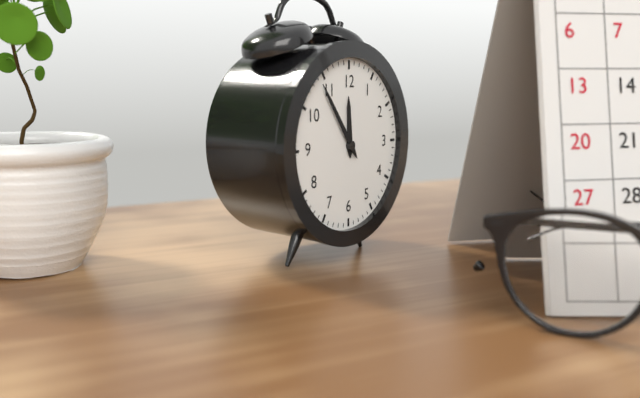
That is 11,54
